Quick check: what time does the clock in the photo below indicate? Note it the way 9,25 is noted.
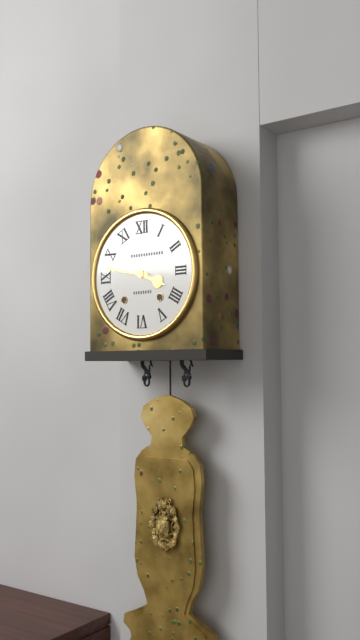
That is 3,47
